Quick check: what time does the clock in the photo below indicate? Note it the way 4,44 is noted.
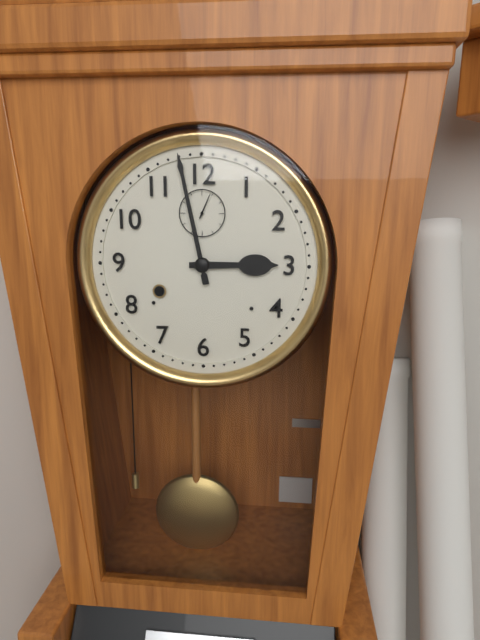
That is 2,58
